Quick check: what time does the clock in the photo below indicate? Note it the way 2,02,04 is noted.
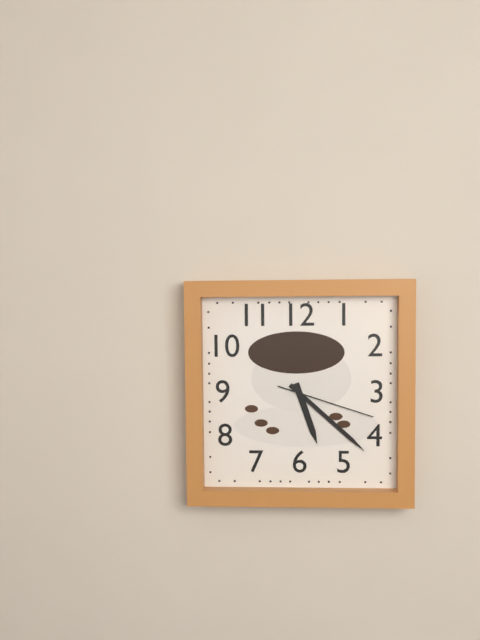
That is 5,22,18
